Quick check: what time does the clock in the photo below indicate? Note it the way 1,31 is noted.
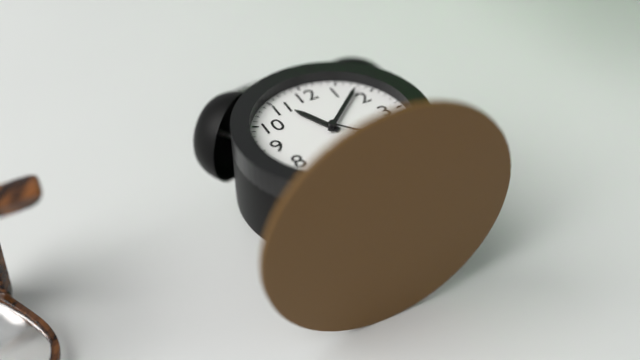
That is 11,08
